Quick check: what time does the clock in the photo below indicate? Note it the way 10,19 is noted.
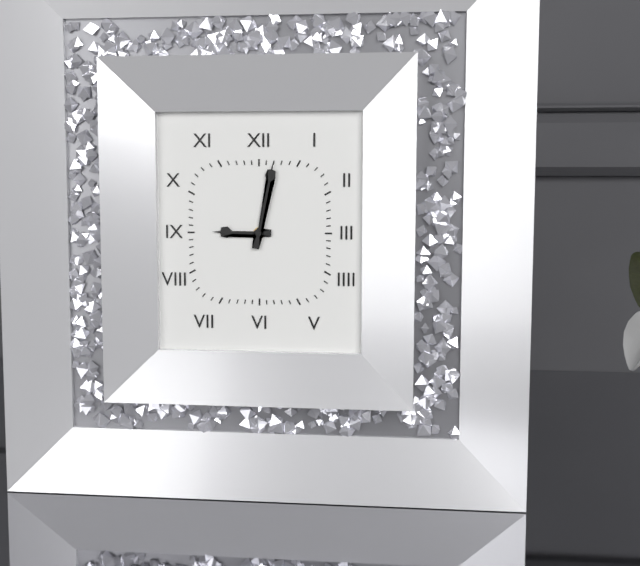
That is 9,02
